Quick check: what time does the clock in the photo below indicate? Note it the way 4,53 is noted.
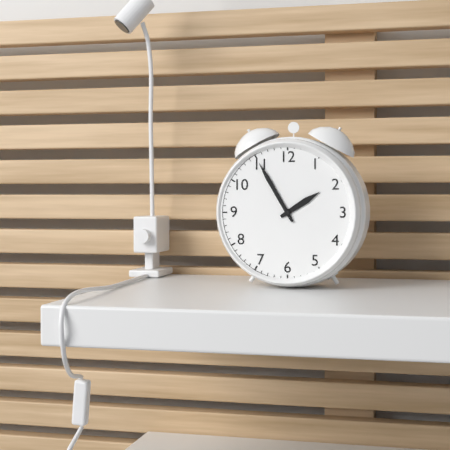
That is 1,55
